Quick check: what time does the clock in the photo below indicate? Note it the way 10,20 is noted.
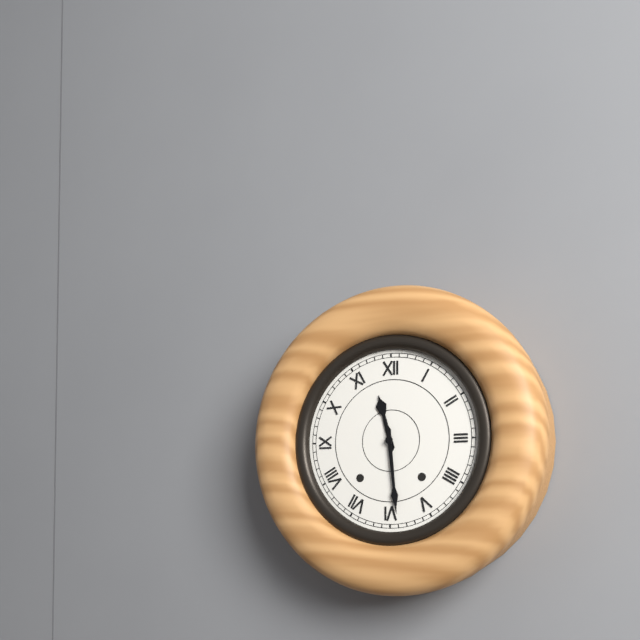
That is 11,29
